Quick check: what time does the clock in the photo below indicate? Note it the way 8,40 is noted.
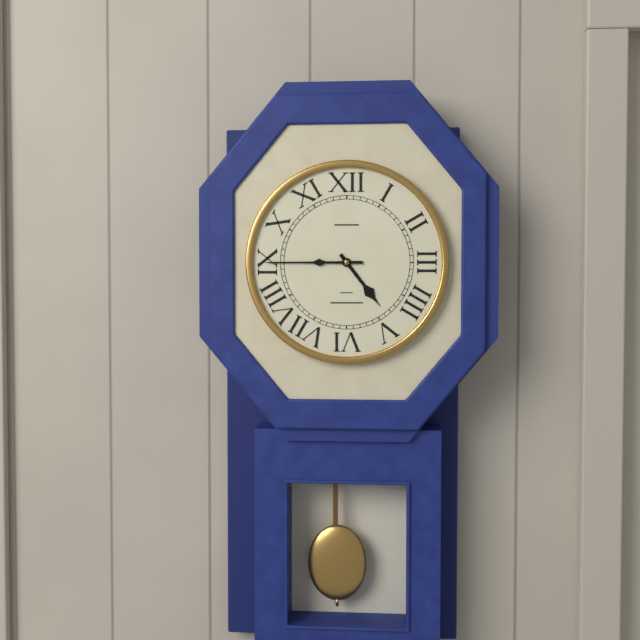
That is 4,45
